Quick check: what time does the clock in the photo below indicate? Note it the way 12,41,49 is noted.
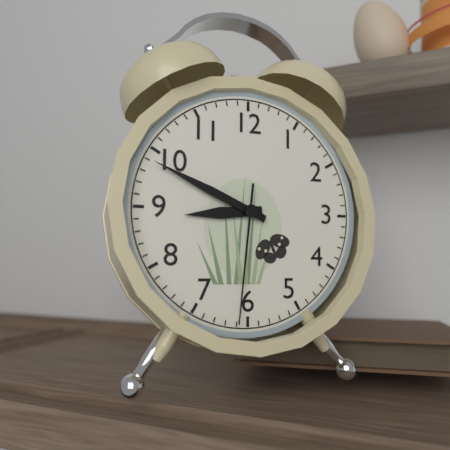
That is 8,49,31
